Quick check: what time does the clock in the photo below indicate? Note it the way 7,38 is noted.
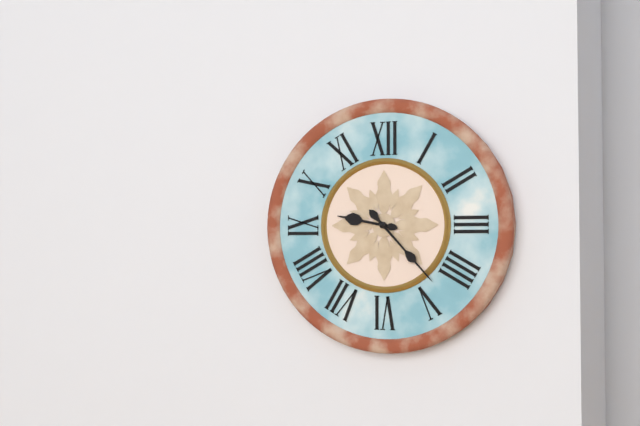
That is 9,23
